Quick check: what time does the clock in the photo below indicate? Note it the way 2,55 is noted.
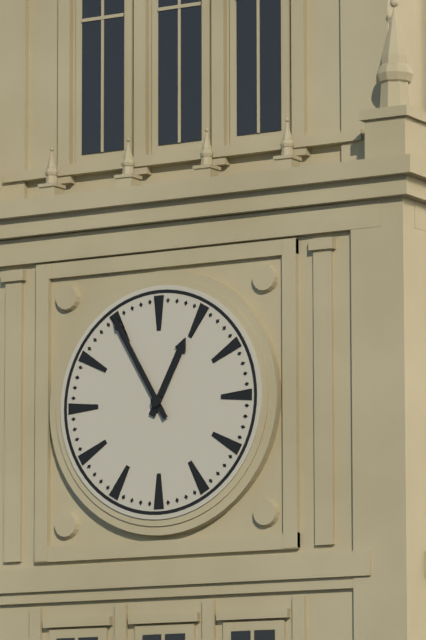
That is 12,55
